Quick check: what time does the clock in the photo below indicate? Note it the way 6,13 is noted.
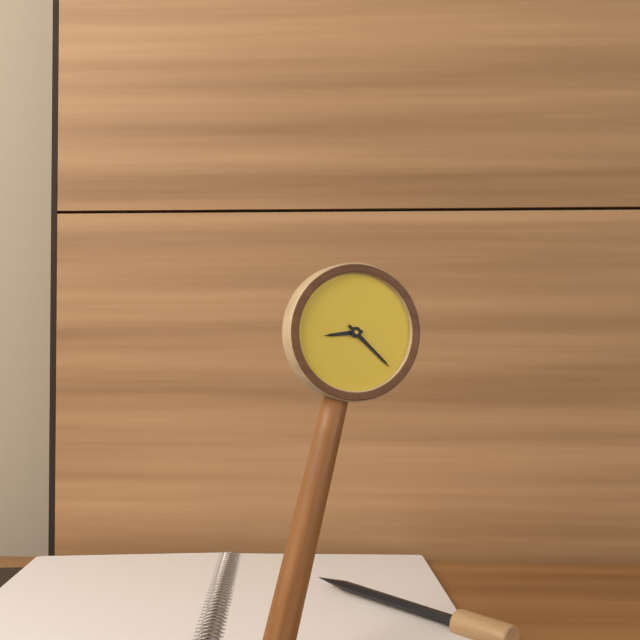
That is 8,20
